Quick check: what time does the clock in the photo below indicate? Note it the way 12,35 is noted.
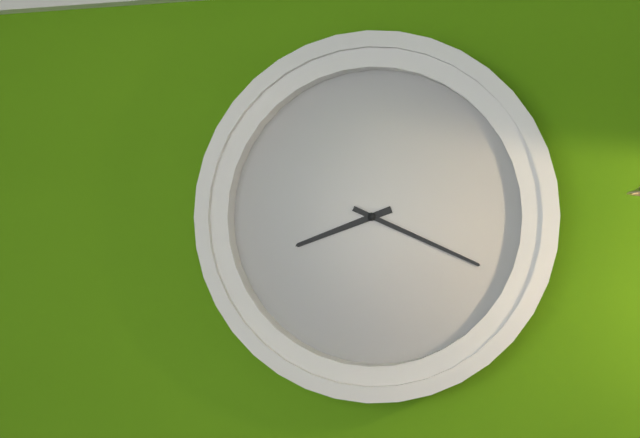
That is 8,19
